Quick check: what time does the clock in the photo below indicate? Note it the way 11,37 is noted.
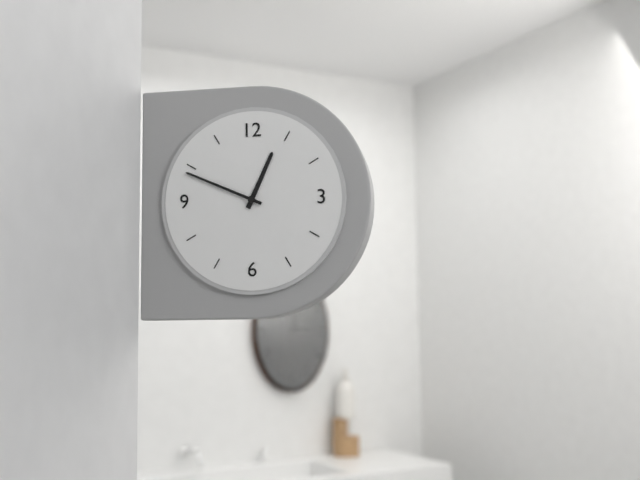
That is 12,49
